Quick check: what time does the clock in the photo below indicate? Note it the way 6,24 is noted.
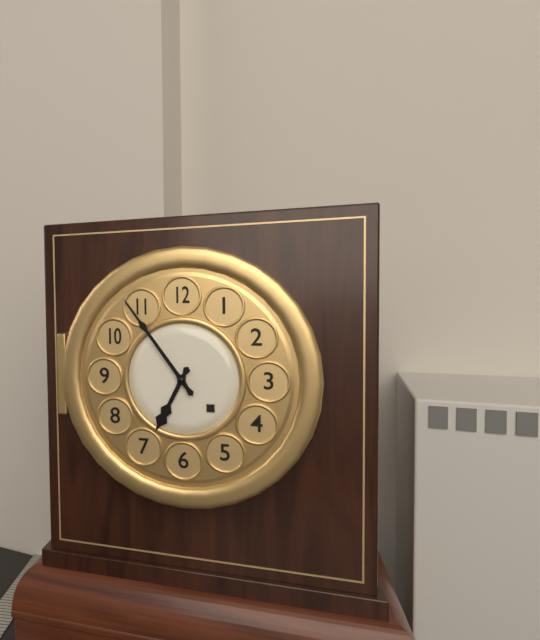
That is 6,54
